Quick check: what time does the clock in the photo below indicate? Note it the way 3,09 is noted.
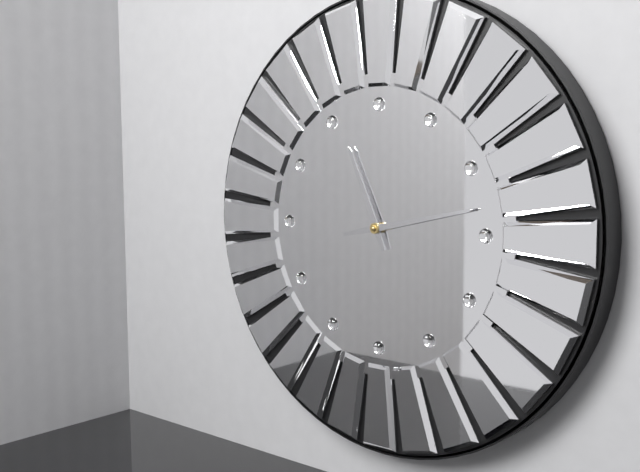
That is 11,13
